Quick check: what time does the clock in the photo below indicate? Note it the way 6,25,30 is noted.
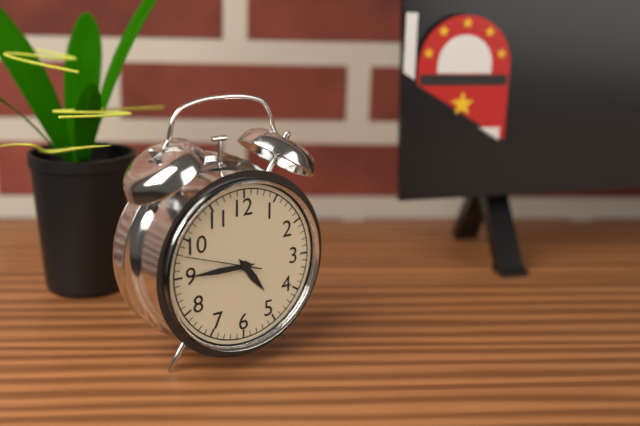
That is 4,45,48
